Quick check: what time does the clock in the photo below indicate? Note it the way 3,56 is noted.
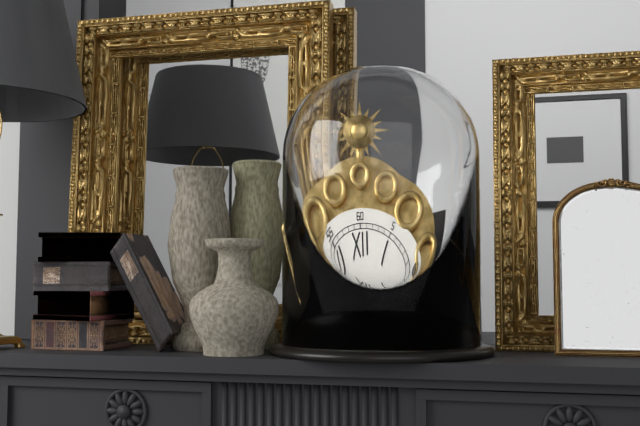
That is 9,42
